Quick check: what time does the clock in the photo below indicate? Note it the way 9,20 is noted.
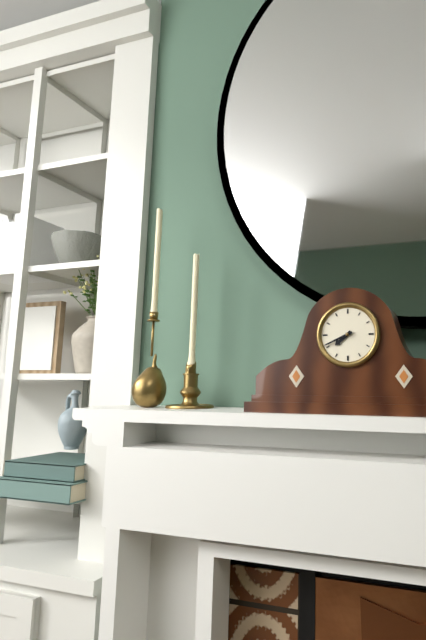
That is 7,41
